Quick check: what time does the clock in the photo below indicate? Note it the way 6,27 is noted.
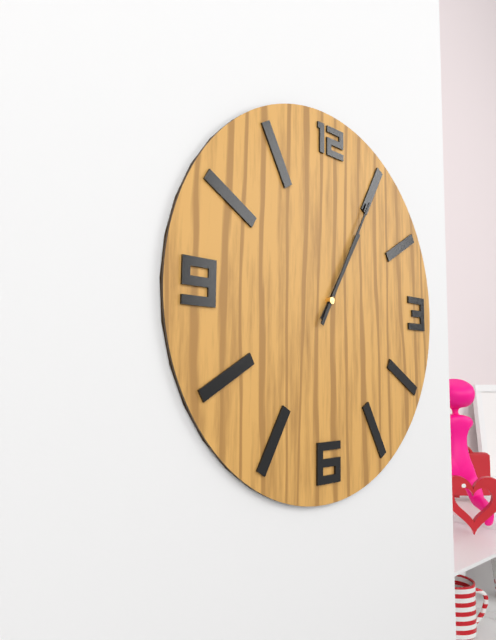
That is 1,05
